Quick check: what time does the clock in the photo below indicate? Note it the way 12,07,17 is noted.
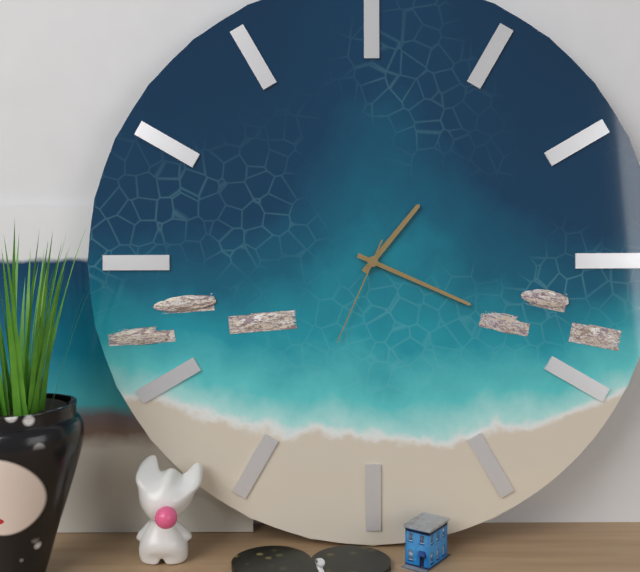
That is 1,19,34
